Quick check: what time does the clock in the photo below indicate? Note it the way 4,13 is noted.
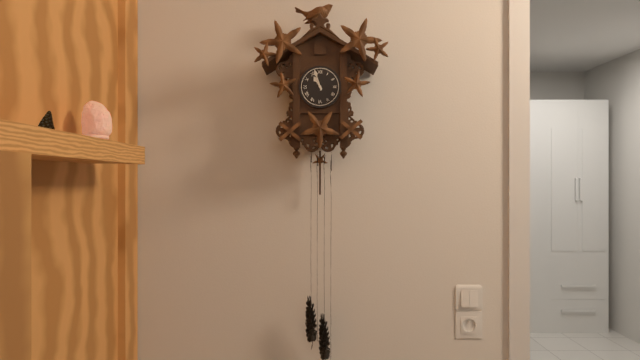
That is 10,57
